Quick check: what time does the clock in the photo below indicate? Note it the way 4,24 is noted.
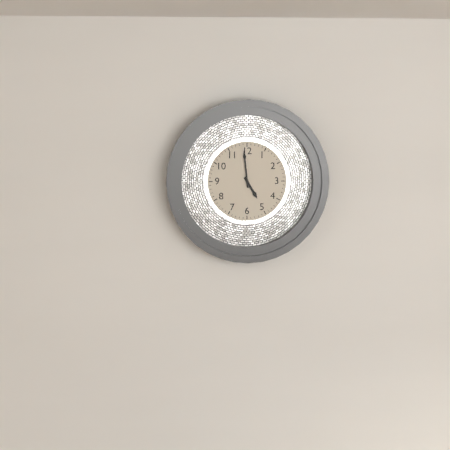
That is 4,59
